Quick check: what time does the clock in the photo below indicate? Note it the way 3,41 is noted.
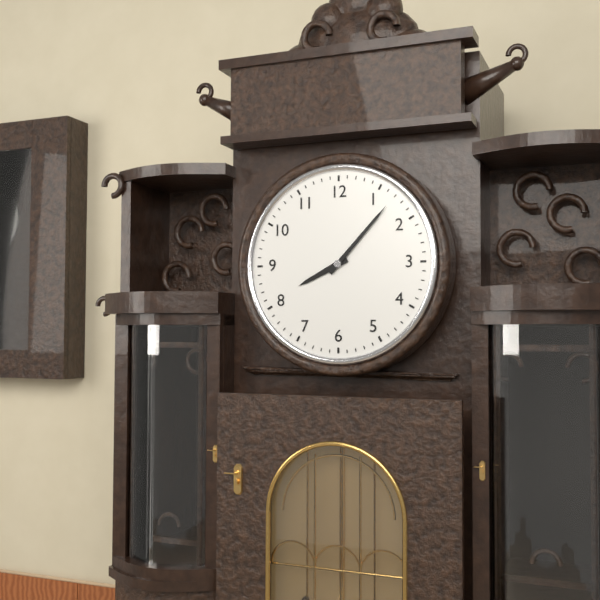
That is 8,07
